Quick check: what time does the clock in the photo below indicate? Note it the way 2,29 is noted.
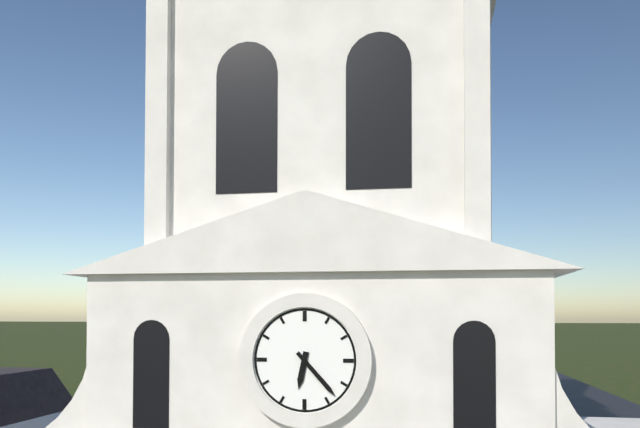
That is 6,23
